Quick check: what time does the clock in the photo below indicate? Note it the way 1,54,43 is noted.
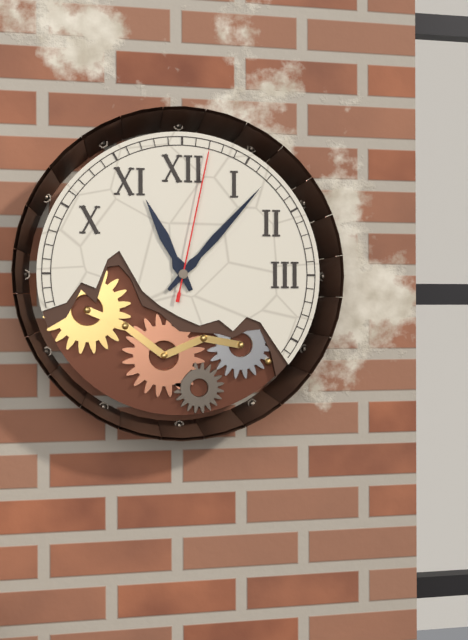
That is 11,07,02
